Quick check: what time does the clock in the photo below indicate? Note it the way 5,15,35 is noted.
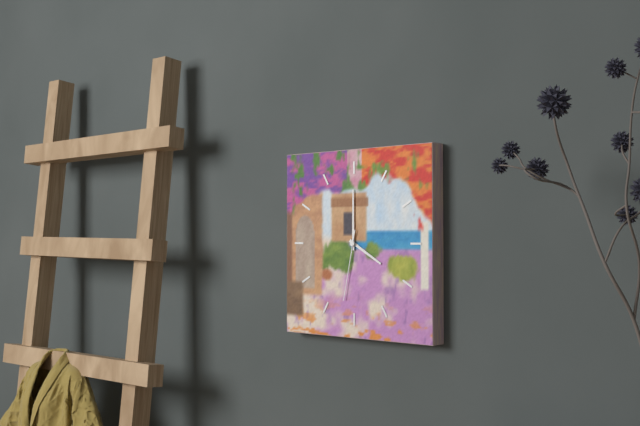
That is 4,00,32
